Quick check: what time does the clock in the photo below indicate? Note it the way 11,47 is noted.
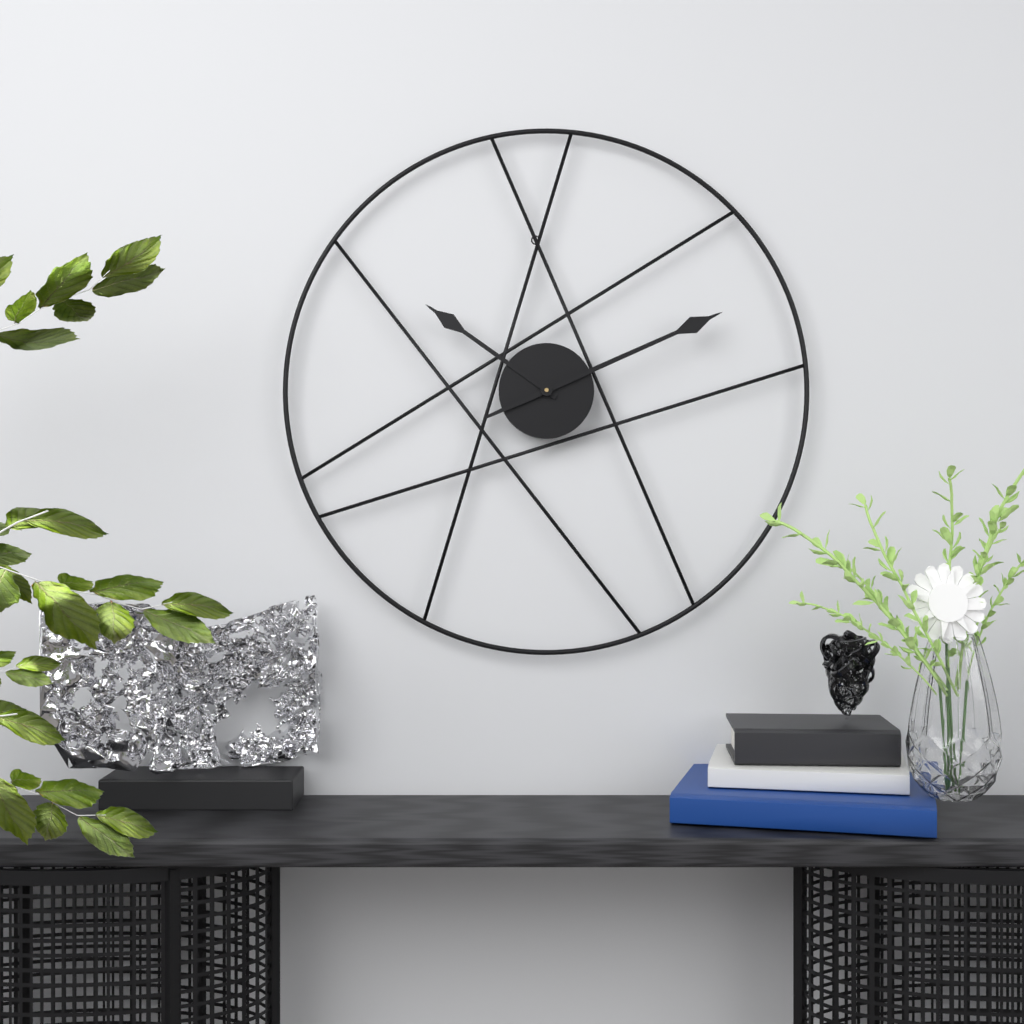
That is 10,11
